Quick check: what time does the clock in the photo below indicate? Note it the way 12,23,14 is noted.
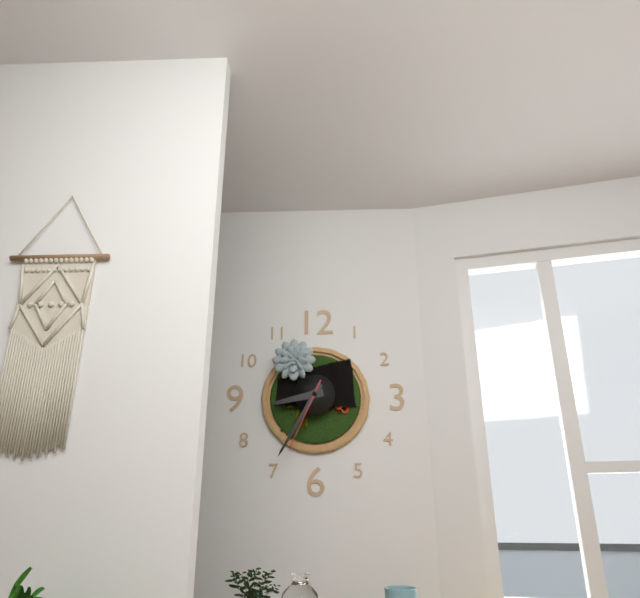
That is 8,35,34
